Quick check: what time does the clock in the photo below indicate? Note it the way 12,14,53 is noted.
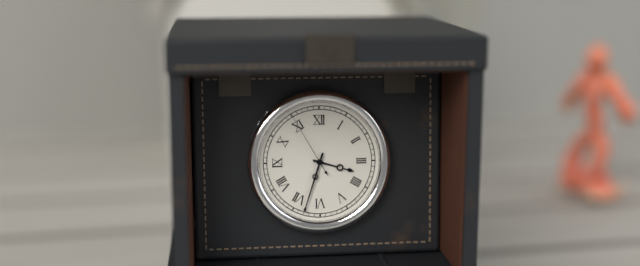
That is 3,33,55
